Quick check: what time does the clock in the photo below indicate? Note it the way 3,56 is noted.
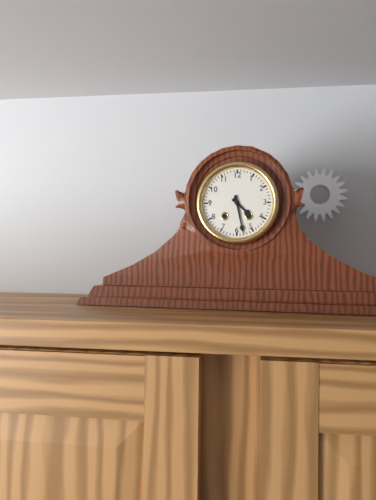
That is 4,28
